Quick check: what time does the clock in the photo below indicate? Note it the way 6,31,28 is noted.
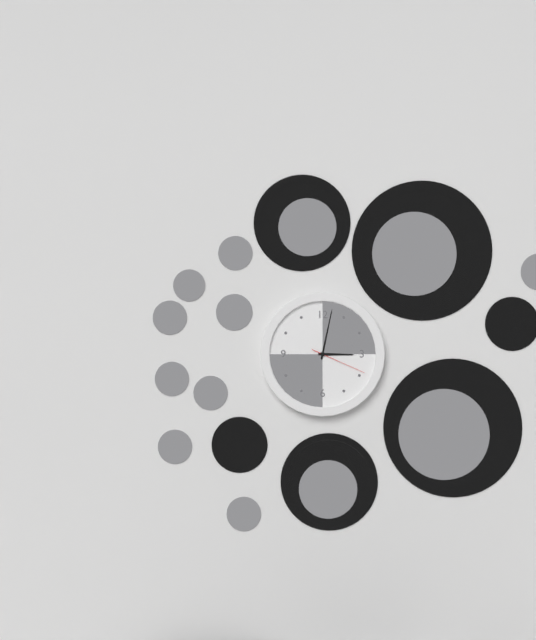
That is 3,02,19
